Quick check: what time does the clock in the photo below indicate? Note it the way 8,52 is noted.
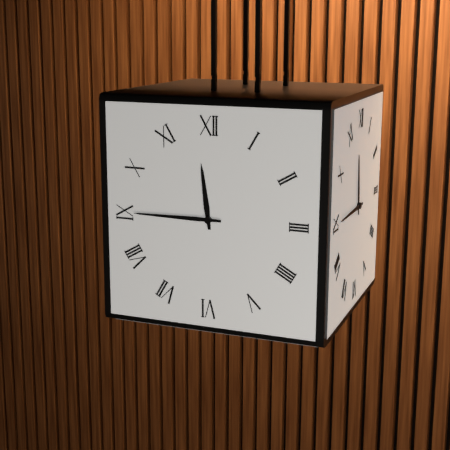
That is 11,45
